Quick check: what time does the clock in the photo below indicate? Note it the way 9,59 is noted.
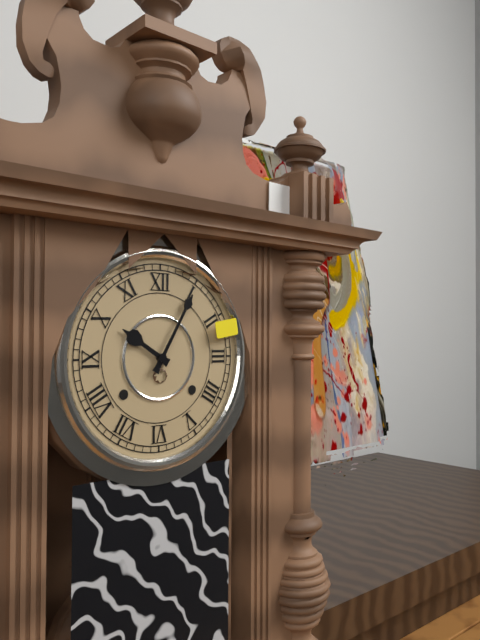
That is 10,05
